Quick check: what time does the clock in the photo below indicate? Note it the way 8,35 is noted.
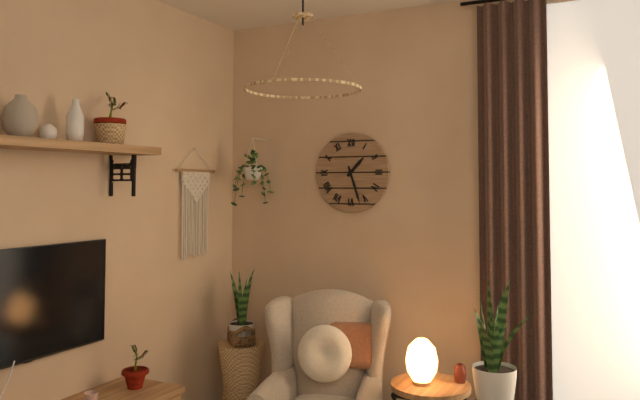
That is 1,27
